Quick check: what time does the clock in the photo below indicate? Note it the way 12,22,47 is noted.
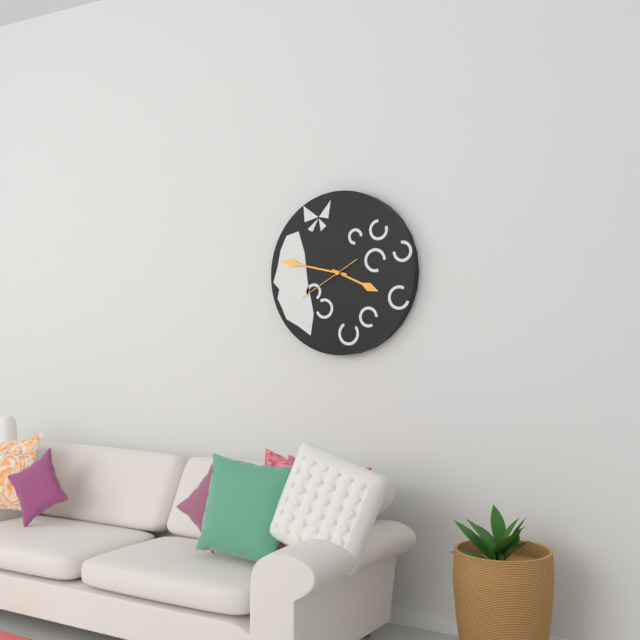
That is 3,47,40
